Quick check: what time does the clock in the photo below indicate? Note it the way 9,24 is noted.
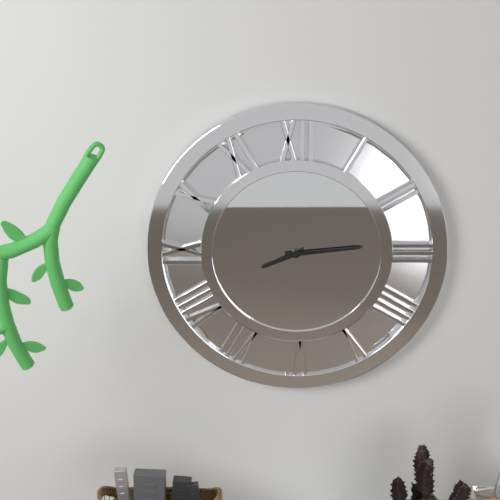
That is 8,14
